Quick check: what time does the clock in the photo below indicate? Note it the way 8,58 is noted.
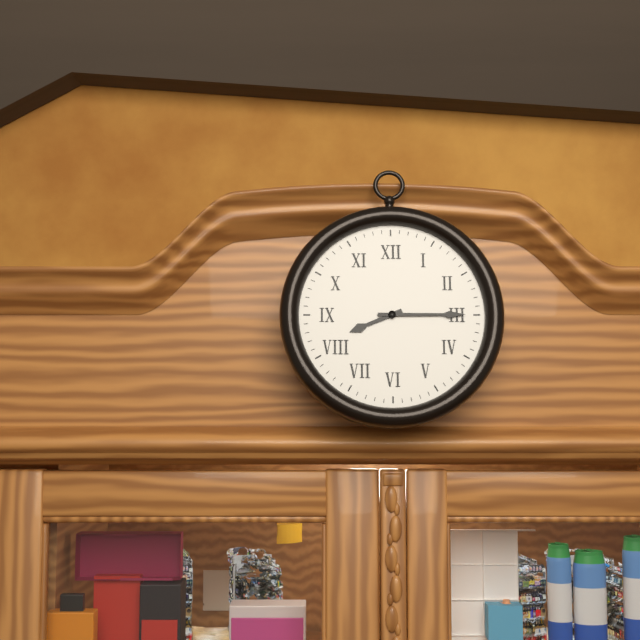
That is 8,15
